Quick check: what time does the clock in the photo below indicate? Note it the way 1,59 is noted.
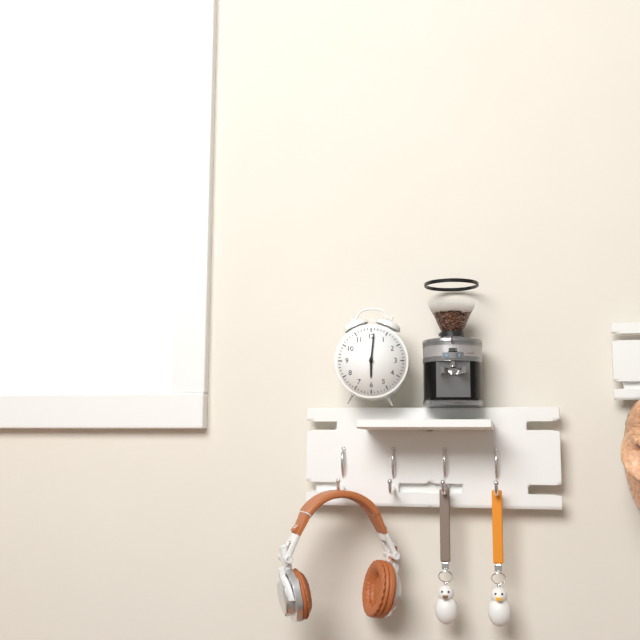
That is 6,01
